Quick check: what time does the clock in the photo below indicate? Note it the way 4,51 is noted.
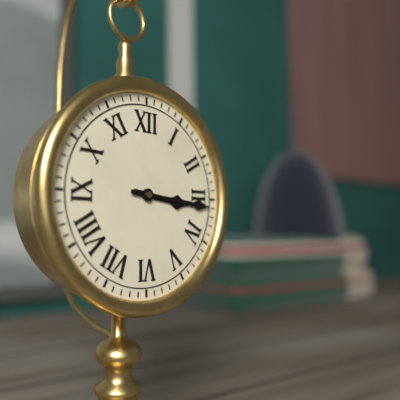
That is 3,16
